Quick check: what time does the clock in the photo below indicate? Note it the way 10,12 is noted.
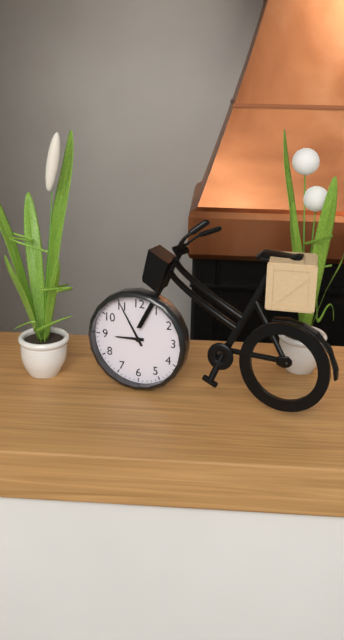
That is 8,55
